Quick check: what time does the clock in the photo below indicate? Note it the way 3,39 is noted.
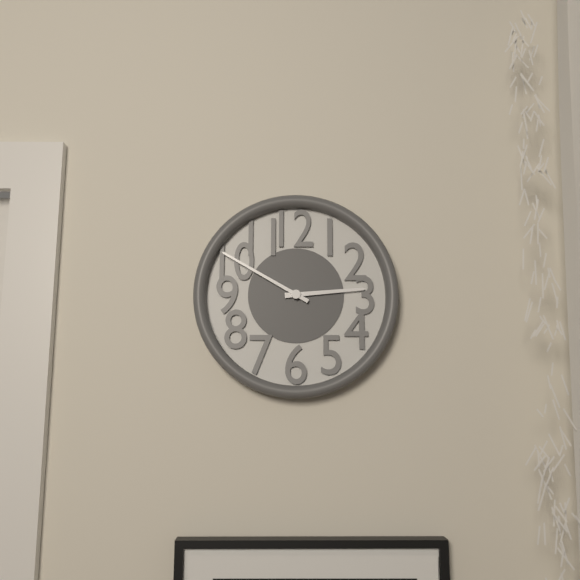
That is 2,50
